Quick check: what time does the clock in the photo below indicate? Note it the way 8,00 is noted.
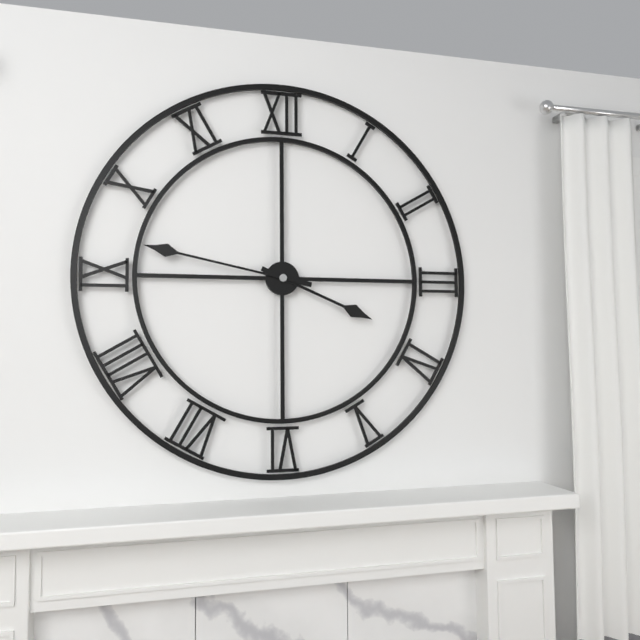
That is 3,47
